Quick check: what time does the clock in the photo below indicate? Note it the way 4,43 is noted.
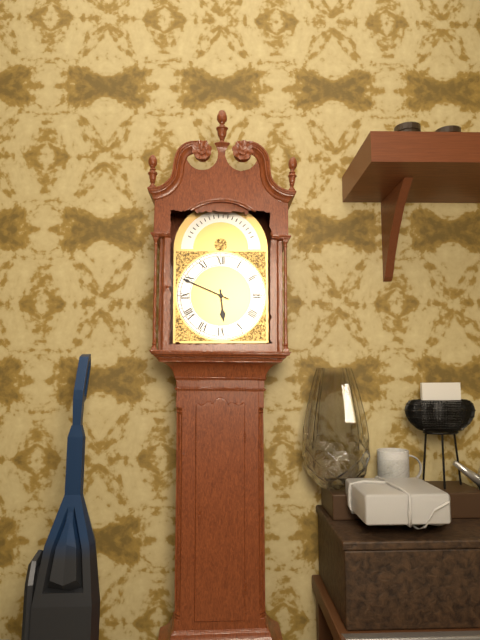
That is 5,49
